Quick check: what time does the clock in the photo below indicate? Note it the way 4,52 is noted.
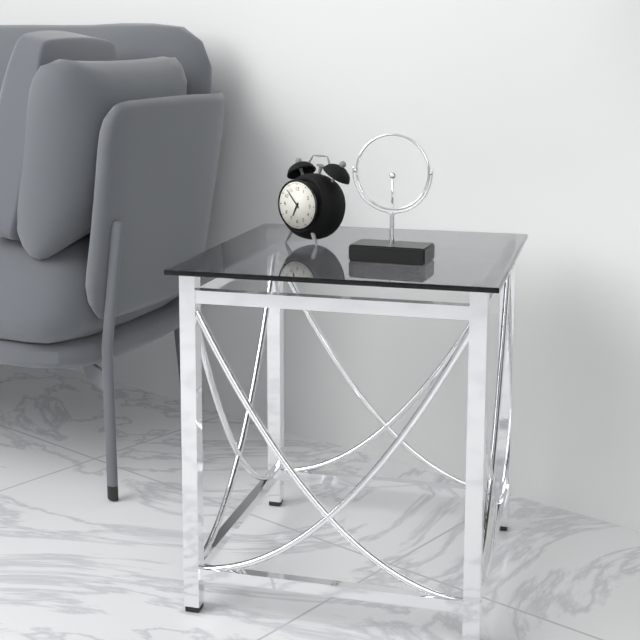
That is 6,53
